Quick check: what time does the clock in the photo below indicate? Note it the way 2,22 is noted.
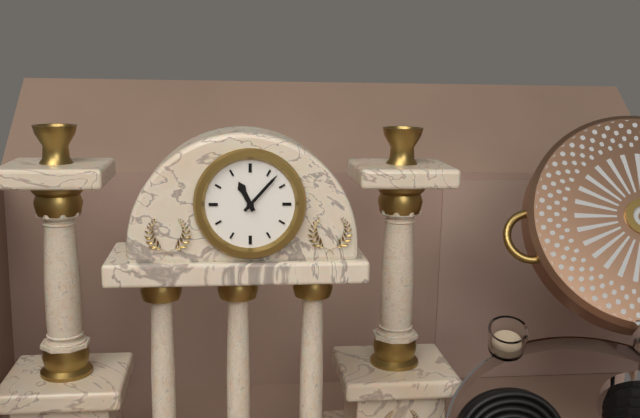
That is 11,07
